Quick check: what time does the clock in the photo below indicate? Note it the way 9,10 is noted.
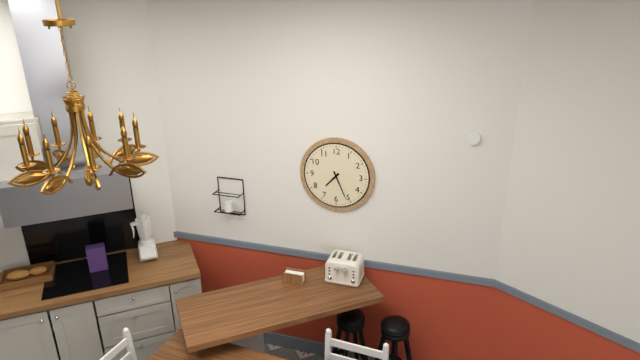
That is 7,26
